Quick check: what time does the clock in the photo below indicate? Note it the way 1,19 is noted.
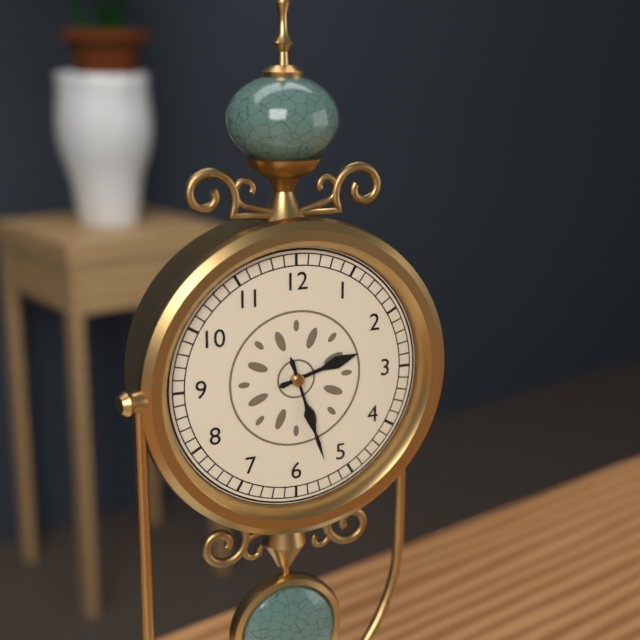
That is 2,27
